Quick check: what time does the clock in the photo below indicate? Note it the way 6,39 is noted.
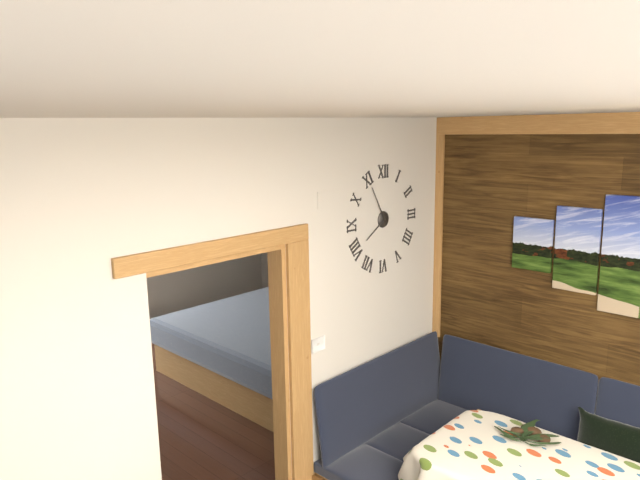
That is 7,55
